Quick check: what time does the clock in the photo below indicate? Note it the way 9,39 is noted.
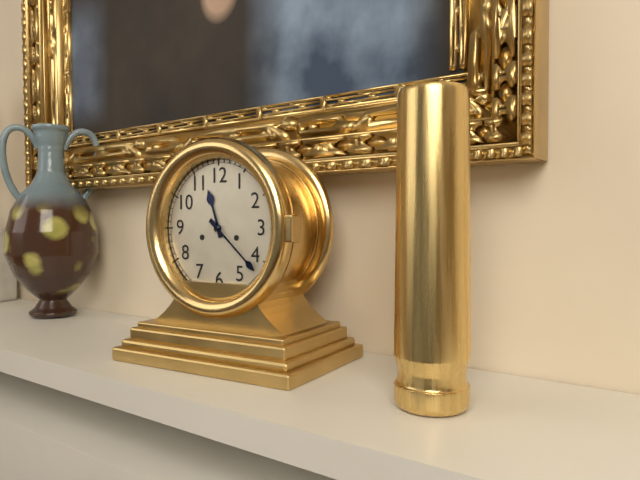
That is 11,22
